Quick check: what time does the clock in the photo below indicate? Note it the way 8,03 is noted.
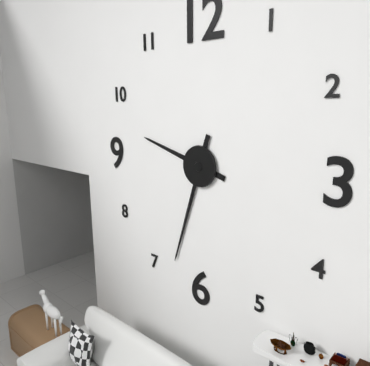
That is 9,33
